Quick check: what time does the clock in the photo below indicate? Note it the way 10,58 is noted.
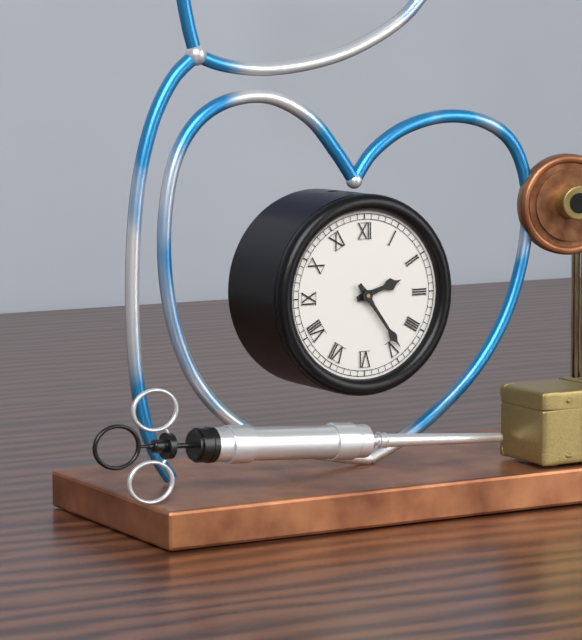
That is 2,24
